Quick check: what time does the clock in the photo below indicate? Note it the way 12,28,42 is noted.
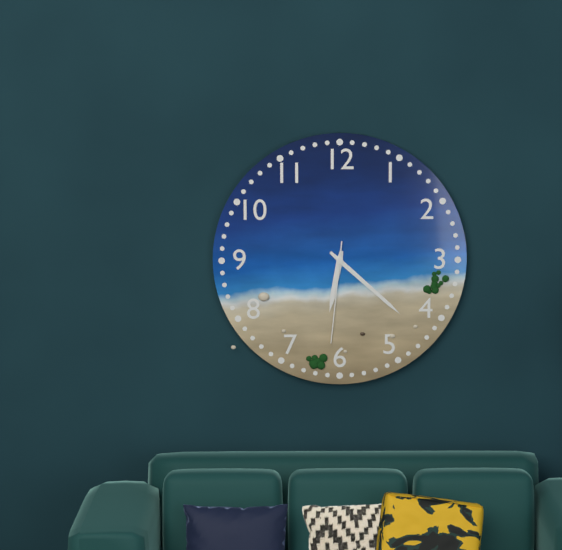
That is 6,22,31
